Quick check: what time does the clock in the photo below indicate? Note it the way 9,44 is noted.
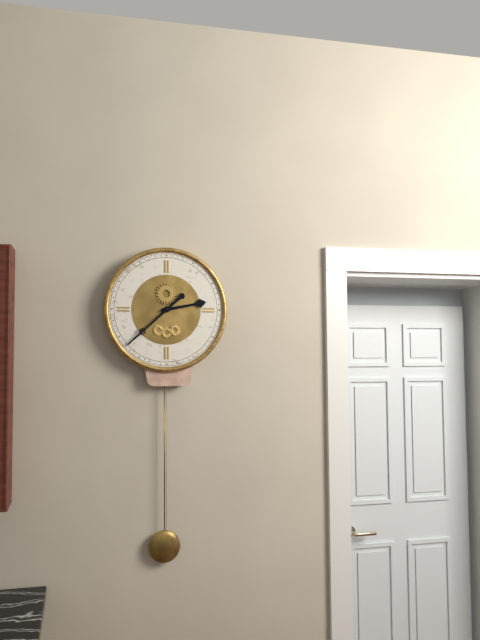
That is 2,38
